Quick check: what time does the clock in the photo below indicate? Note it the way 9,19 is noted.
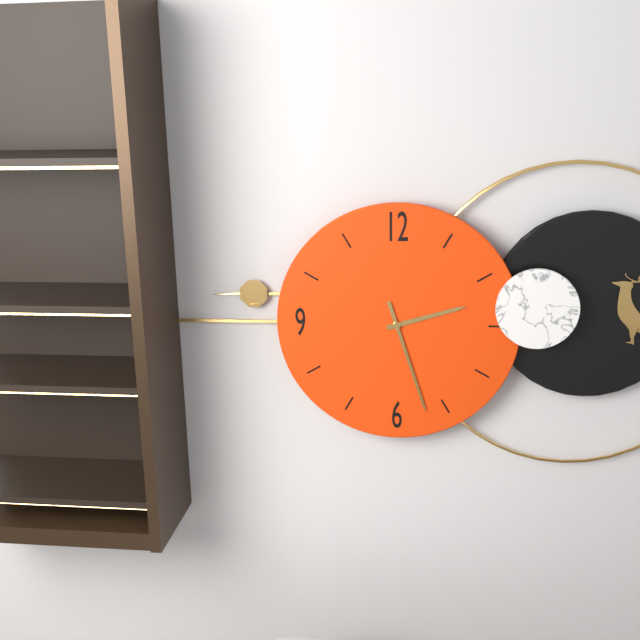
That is 2,27
